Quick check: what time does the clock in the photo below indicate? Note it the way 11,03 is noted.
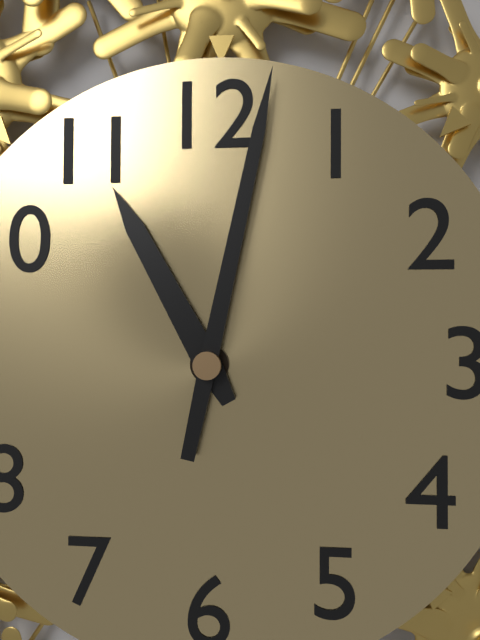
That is 11,02
